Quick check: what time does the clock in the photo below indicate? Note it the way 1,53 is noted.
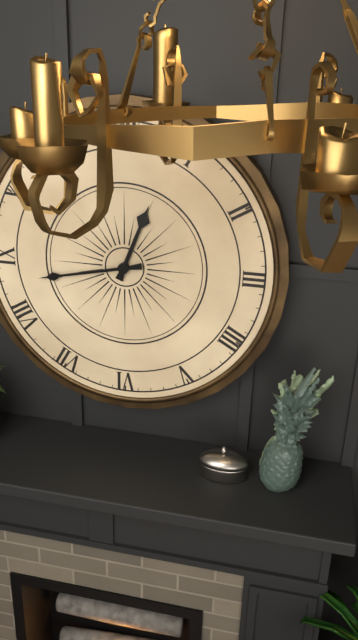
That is 12,43
